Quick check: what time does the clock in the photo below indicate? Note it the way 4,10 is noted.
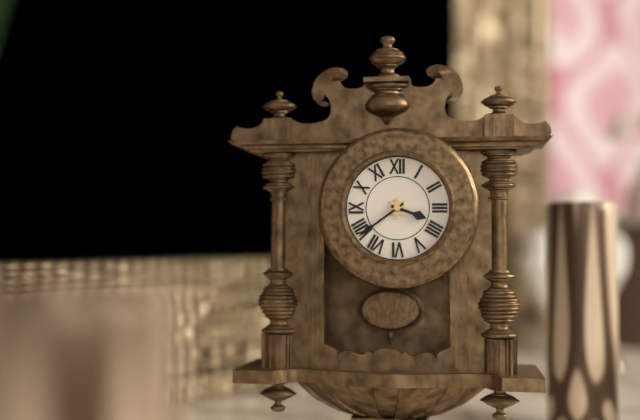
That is 3,39
